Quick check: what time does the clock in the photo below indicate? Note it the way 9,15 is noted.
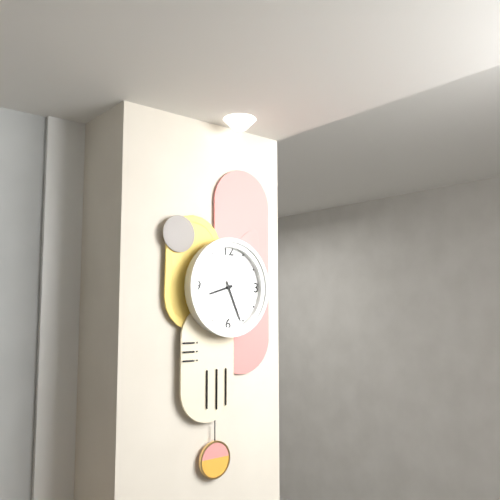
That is 8,26
